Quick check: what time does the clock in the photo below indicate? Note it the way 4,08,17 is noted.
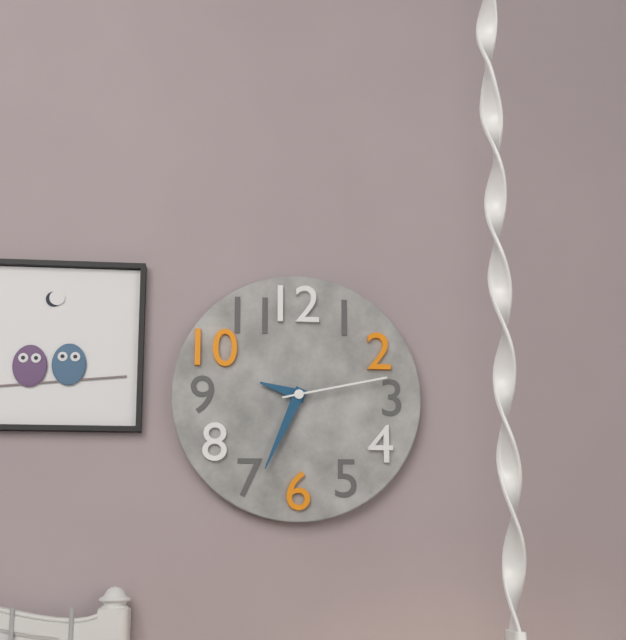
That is 9,34,13
